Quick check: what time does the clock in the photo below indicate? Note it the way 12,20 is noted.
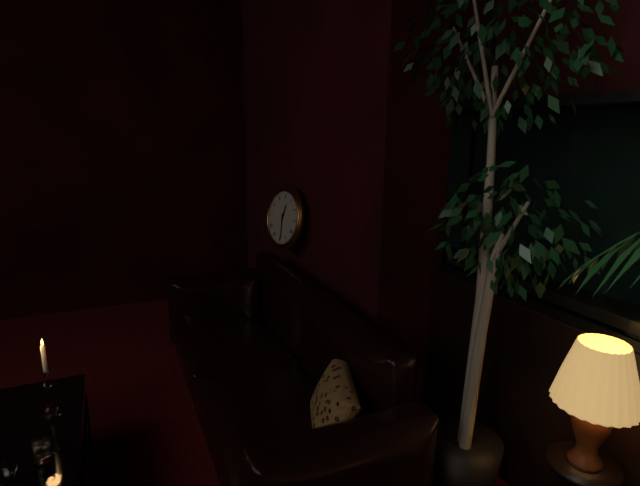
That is 12,29
